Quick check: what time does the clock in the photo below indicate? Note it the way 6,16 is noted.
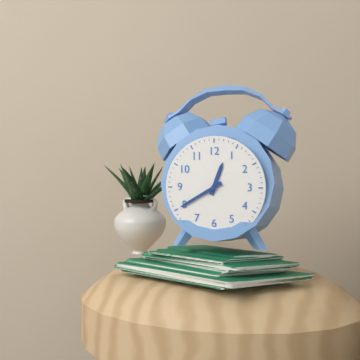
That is 12,40
